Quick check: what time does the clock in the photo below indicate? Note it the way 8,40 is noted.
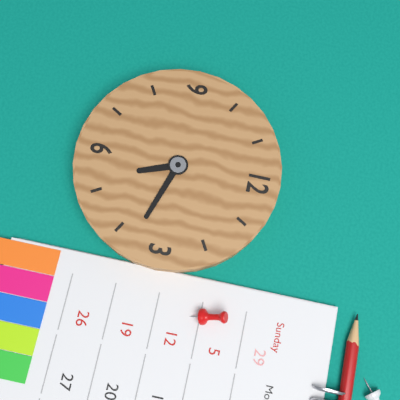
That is 5,18
